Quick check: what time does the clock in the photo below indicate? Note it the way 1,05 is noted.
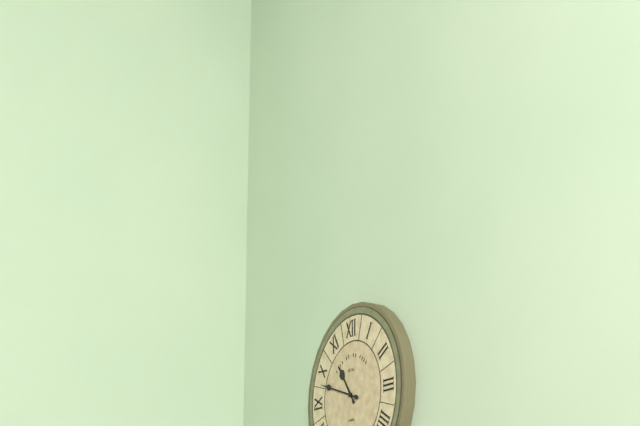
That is 10,48
